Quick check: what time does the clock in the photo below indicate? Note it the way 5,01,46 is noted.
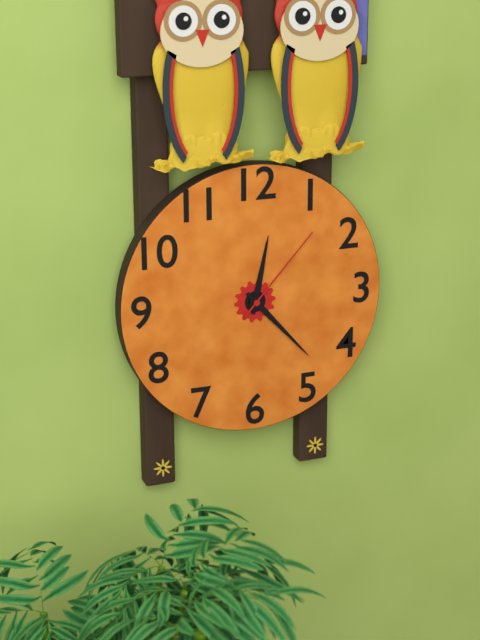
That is 12,23,07
